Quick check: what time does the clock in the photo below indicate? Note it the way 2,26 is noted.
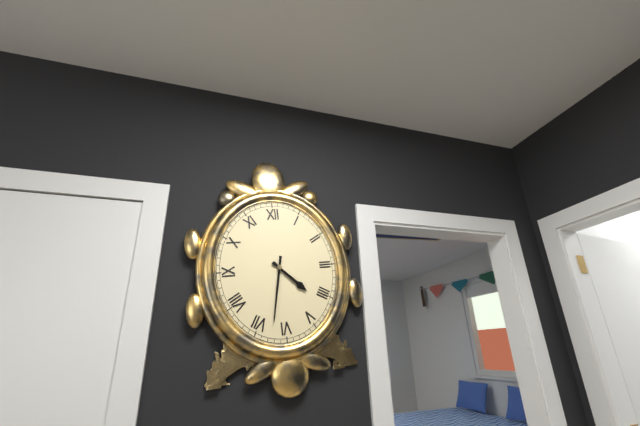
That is 4,32
